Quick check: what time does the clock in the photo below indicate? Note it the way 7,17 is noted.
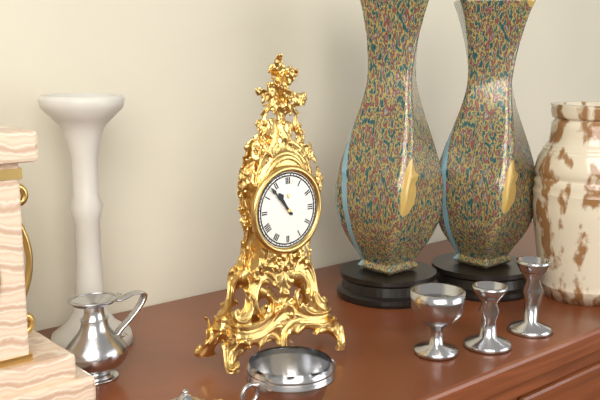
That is 10,53
